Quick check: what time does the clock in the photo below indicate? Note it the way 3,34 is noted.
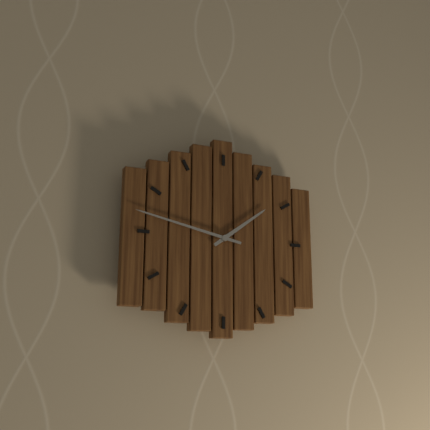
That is 1,47
